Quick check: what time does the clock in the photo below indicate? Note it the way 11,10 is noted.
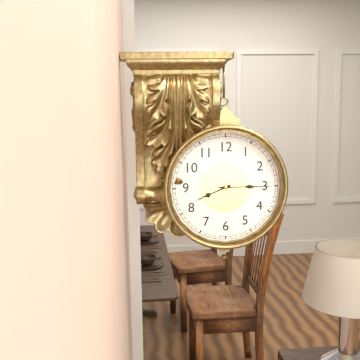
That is 8,15
